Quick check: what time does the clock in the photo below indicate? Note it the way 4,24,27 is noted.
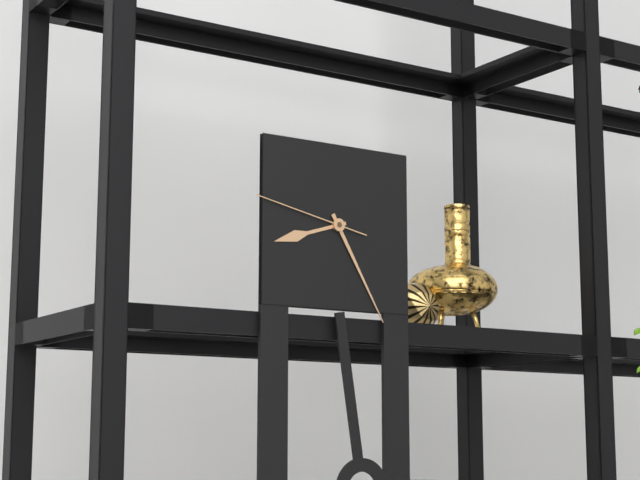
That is 8,25,47
